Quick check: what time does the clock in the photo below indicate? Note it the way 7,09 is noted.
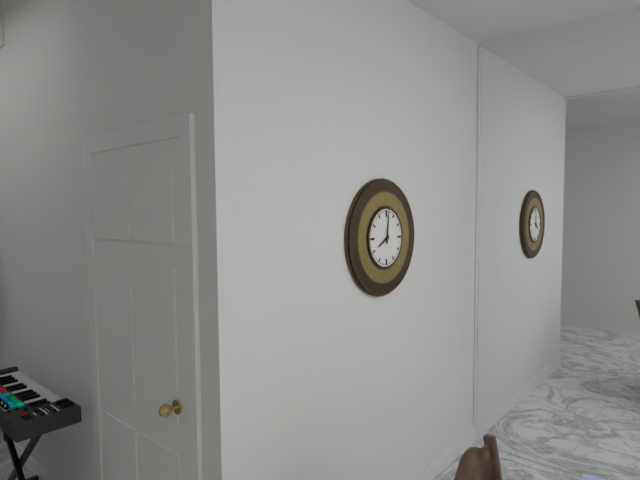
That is 8,01
